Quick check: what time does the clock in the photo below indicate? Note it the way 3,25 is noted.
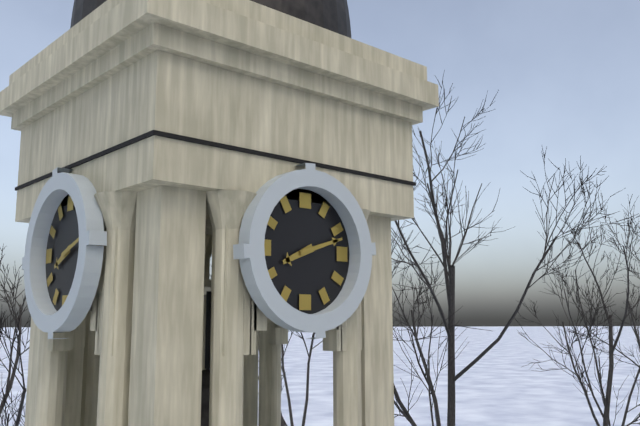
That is 8,12
